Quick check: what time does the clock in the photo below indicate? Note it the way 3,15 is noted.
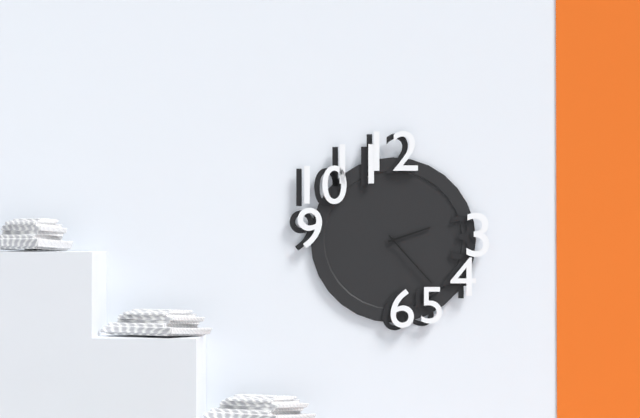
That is 2,23
